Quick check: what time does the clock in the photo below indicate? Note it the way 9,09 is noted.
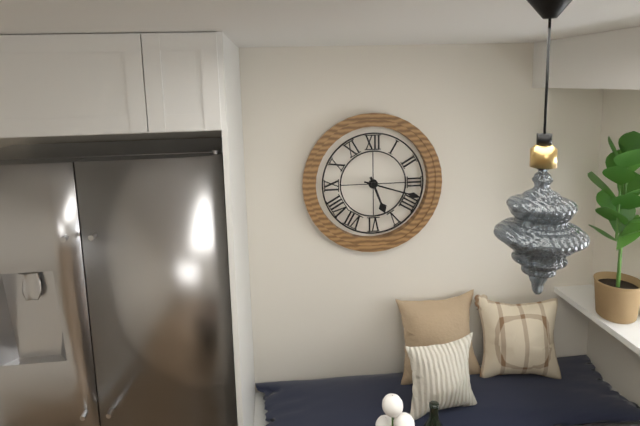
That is 5,18
